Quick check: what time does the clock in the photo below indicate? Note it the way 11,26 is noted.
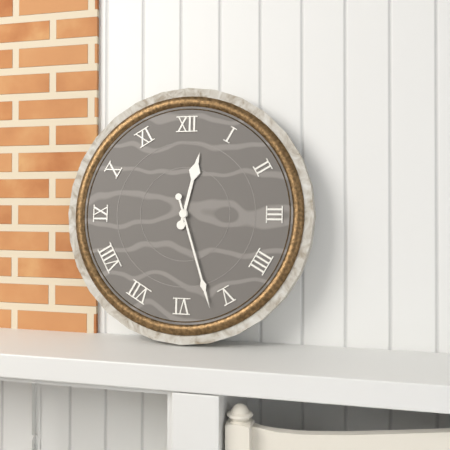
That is 12,27
